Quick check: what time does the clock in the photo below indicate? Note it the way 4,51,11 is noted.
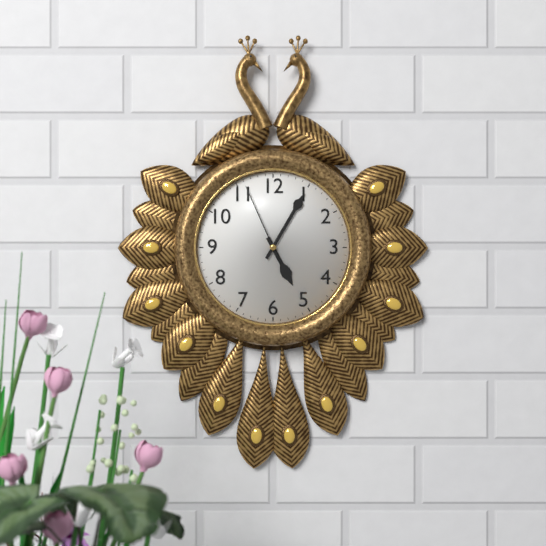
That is 5,05,56
